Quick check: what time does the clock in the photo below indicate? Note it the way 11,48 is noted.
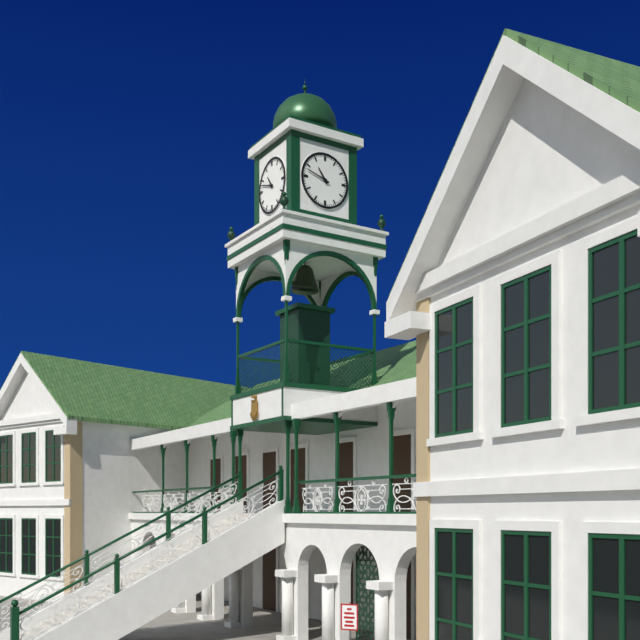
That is 10,48
